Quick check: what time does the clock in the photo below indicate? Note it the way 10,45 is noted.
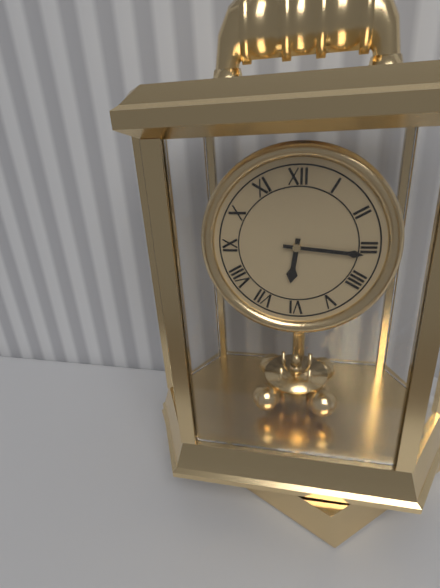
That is 6,16
